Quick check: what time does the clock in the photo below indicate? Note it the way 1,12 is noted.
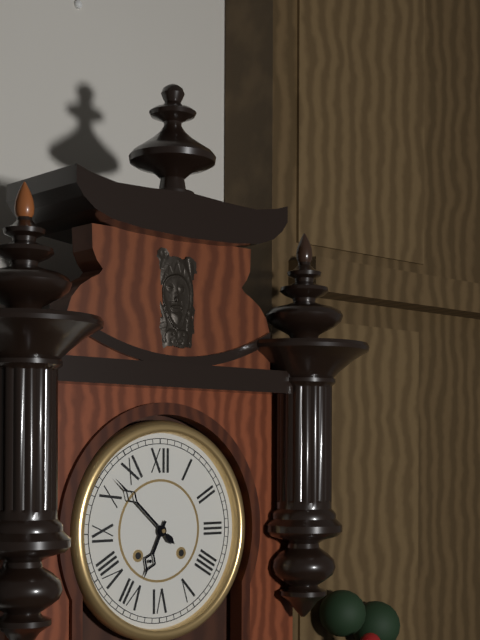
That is 6,52
